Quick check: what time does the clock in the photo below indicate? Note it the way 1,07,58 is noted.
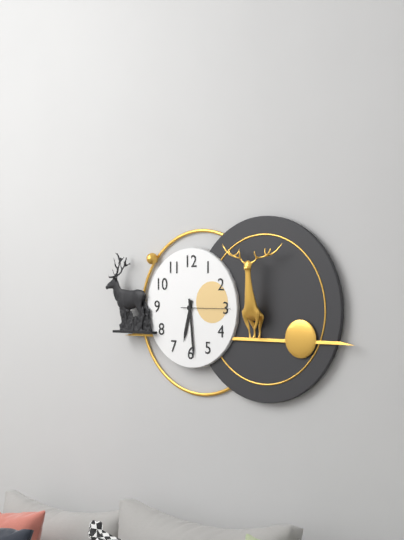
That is 6,29,15
